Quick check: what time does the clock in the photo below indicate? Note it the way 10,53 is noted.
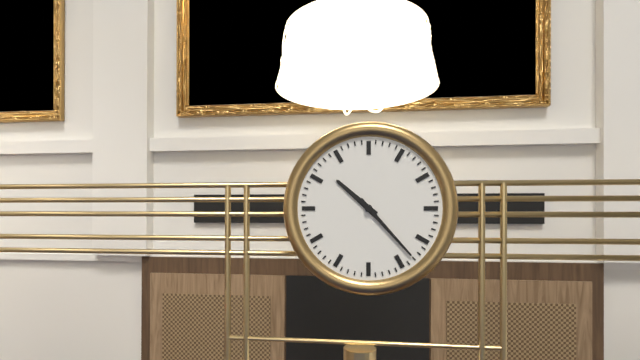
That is 10,23
